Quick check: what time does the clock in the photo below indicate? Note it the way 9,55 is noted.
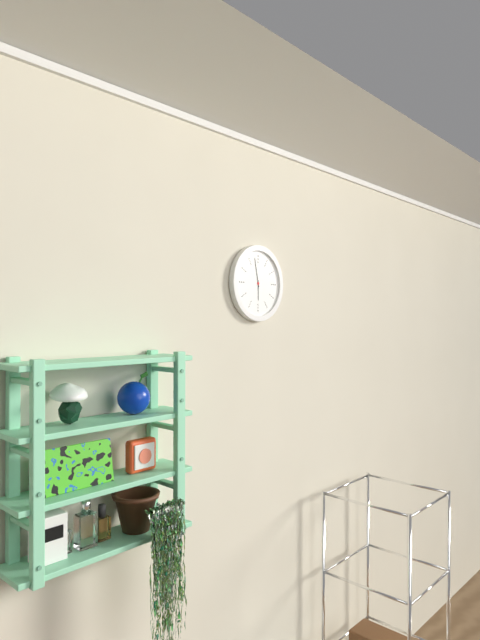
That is 5,58
